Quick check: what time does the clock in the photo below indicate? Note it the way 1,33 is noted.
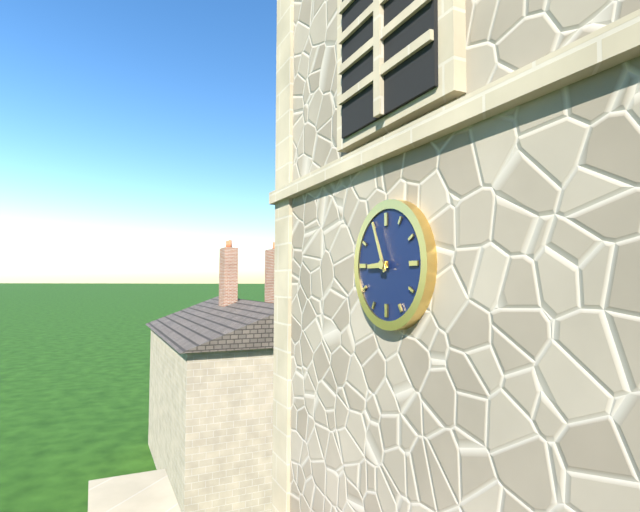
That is 8,56
